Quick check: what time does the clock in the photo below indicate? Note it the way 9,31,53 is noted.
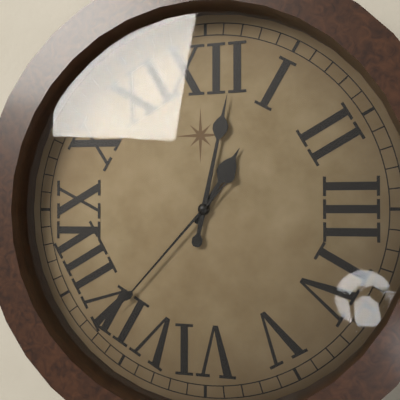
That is 1,02,37
